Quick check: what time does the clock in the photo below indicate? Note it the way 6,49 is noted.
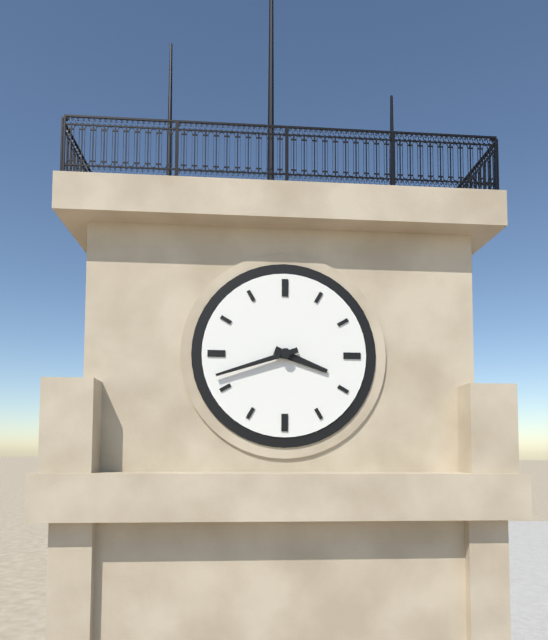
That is 3,42
